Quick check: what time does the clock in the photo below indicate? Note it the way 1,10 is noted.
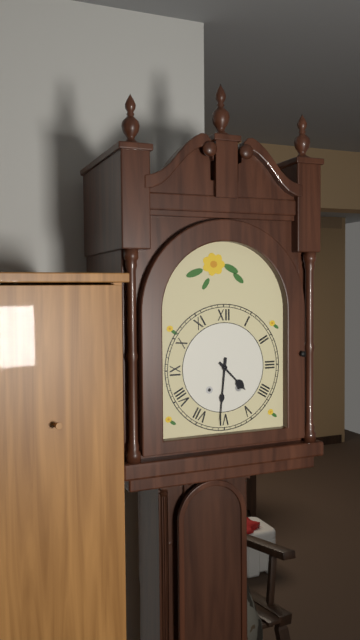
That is 4,31
